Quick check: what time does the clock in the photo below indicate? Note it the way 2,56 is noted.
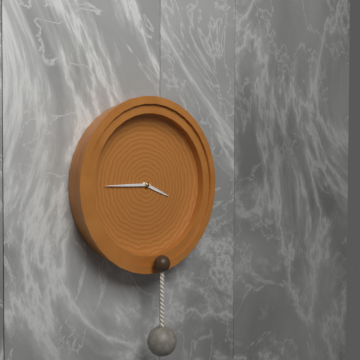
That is 3,45
